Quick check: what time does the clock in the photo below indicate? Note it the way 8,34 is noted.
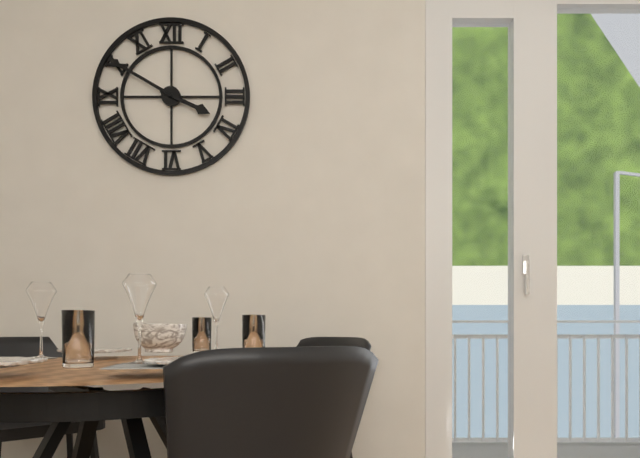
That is 3,50
